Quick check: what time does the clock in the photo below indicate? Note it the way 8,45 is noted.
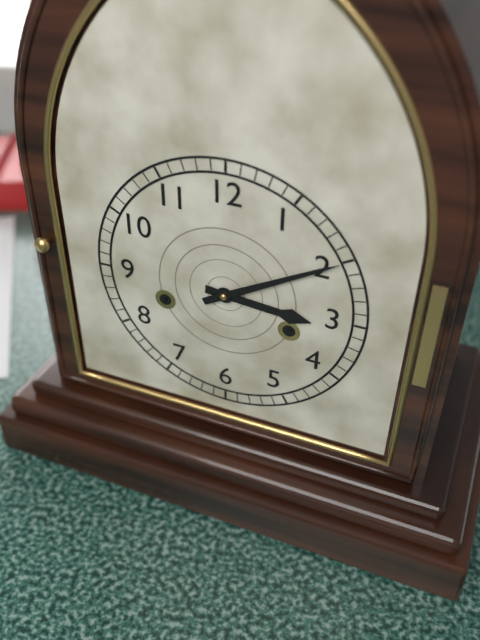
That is 3,10
